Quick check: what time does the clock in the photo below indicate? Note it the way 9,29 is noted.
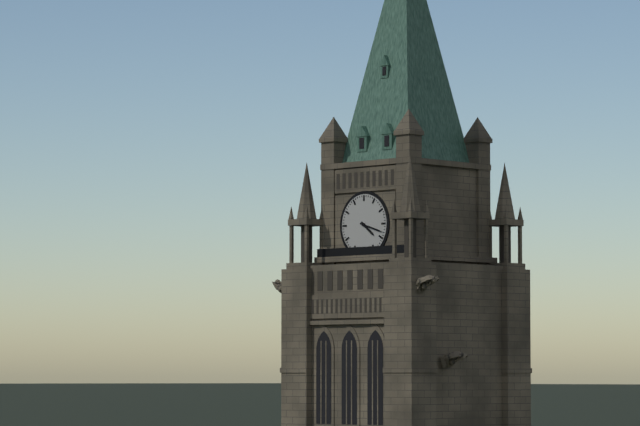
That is 4,18
